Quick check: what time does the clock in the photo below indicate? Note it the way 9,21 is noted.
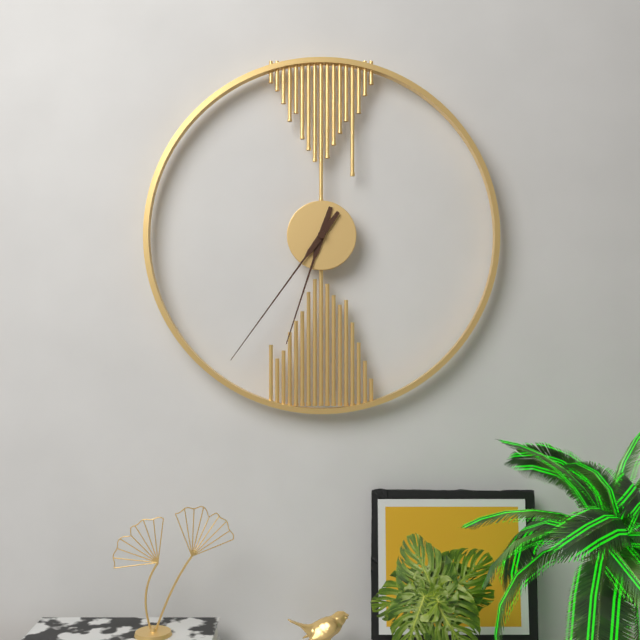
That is 6,36
